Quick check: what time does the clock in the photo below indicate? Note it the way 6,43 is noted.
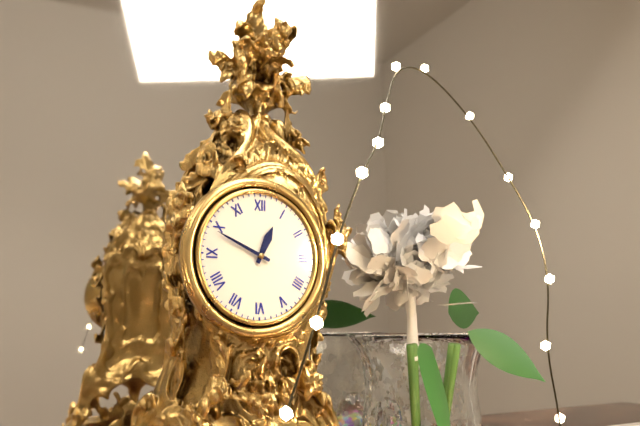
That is 12,49
